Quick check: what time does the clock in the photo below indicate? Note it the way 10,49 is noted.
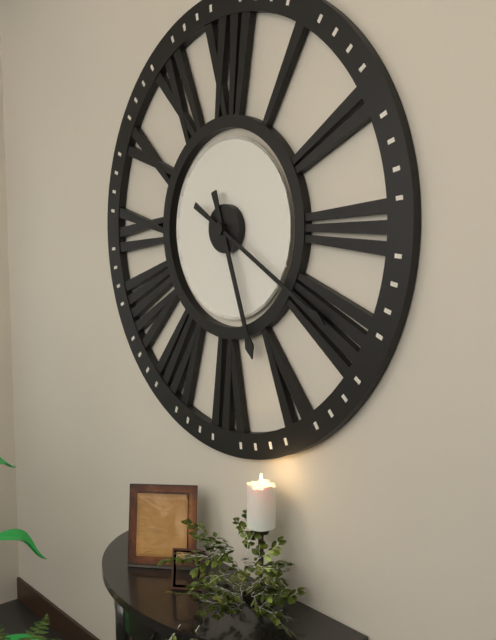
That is 5,20
